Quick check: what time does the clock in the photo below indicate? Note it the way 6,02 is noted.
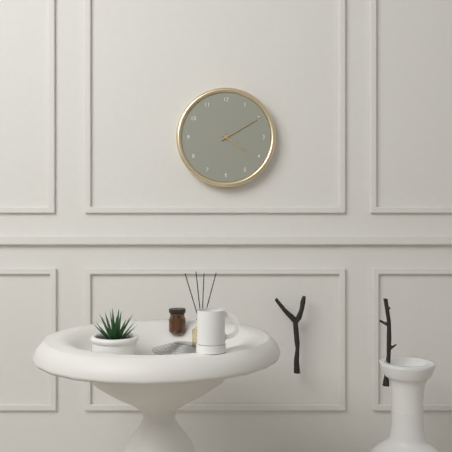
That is 4,10
